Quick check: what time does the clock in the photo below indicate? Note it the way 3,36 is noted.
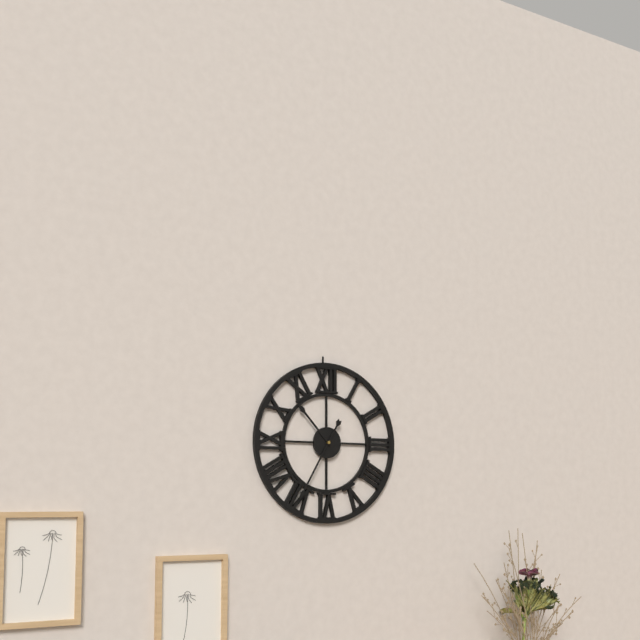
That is 10,35
